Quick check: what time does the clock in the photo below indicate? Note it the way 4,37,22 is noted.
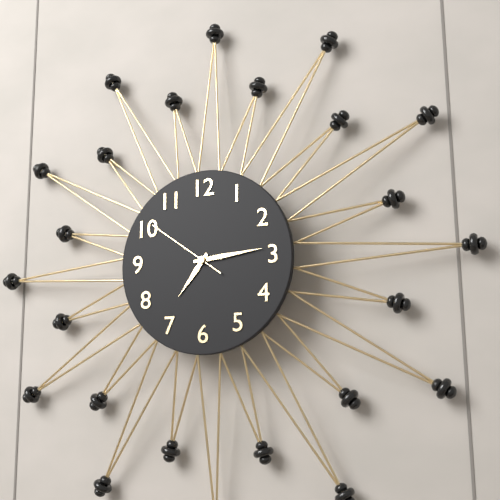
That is 7,14,51
